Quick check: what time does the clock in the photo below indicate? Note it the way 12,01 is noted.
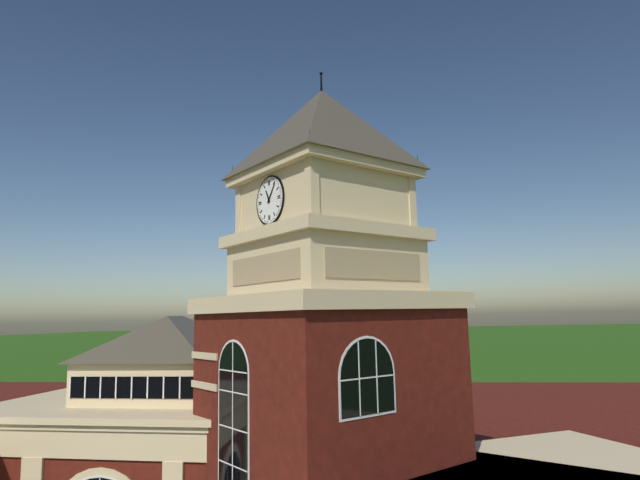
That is 11,06
